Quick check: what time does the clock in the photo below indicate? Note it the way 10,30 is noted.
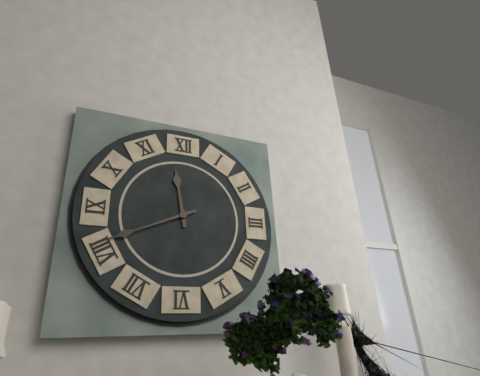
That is 11,41
